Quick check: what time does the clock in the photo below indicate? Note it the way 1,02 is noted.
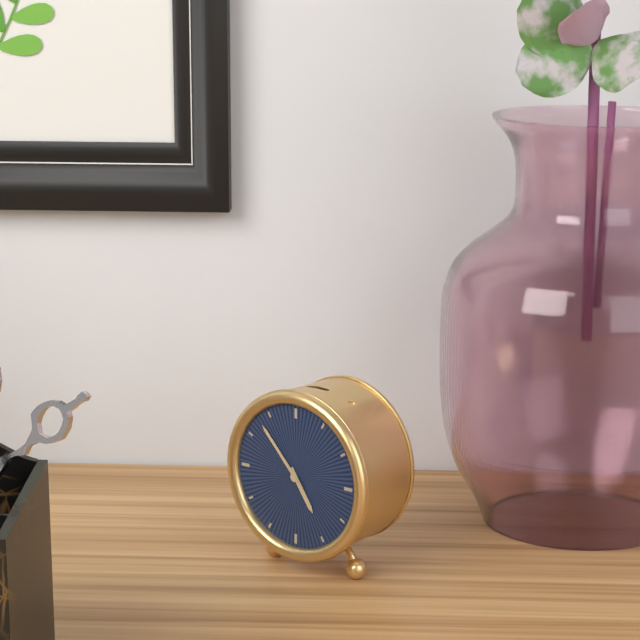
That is 4,53
